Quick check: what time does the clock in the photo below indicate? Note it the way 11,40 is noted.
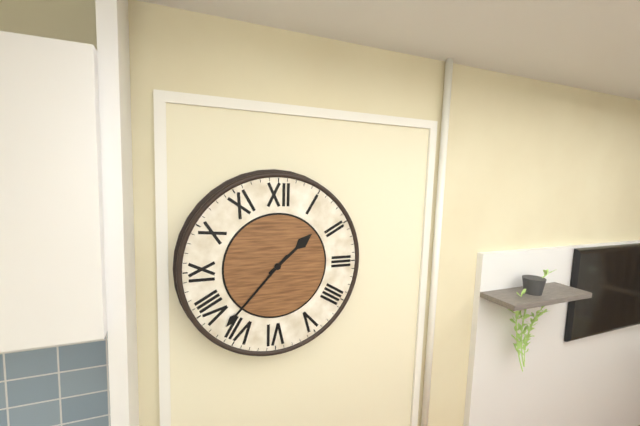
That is 1,37
